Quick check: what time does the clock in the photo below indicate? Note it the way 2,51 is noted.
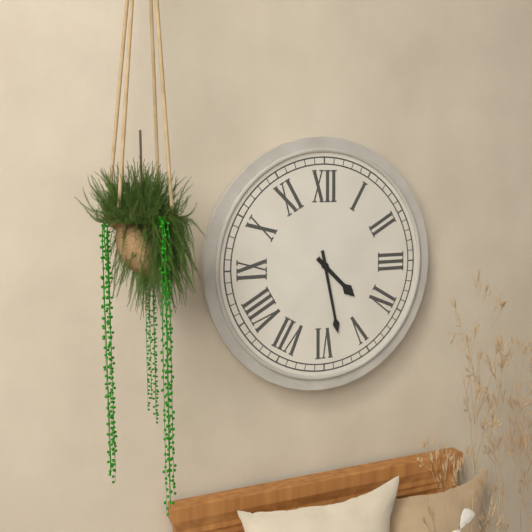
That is 4,28
